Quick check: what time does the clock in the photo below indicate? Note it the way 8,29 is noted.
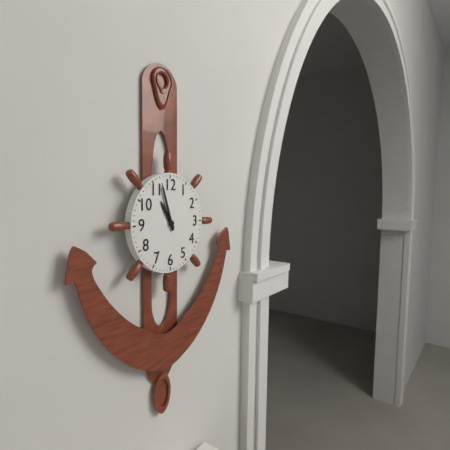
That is 10,57
